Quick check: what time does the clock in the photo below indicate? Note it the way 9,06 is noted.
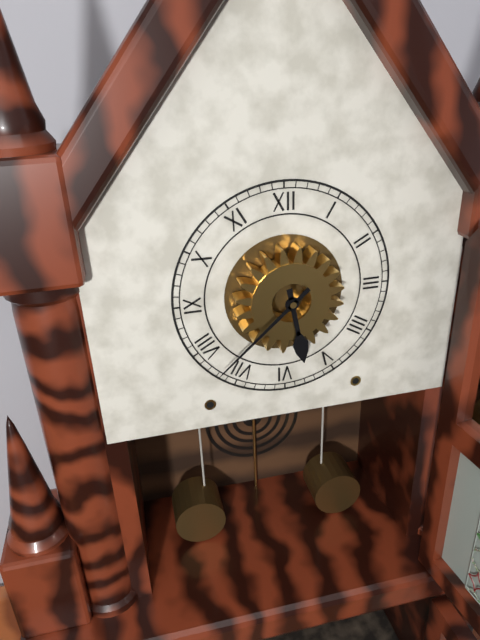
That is 5,38
